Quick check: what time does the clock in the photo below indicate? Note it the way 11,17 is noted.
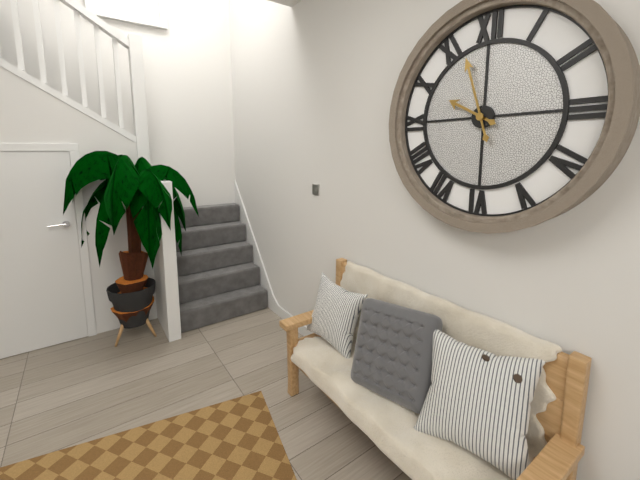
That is 9,57
